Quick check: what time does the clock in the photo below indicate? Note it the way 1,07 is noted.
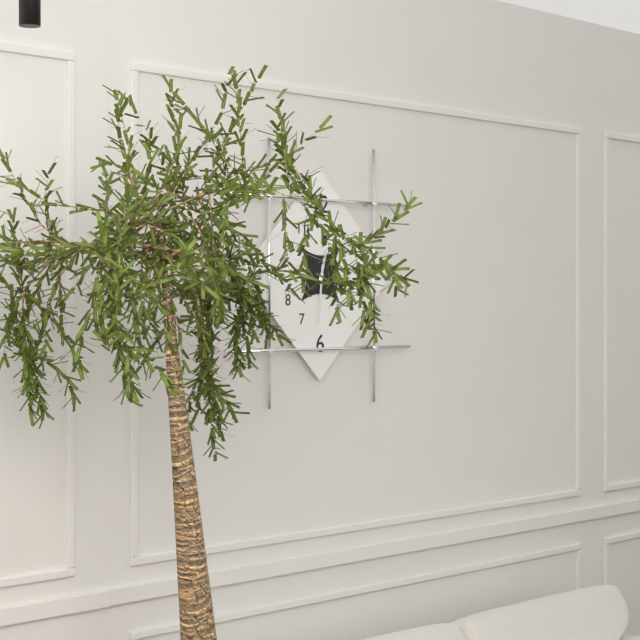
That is 12,31
